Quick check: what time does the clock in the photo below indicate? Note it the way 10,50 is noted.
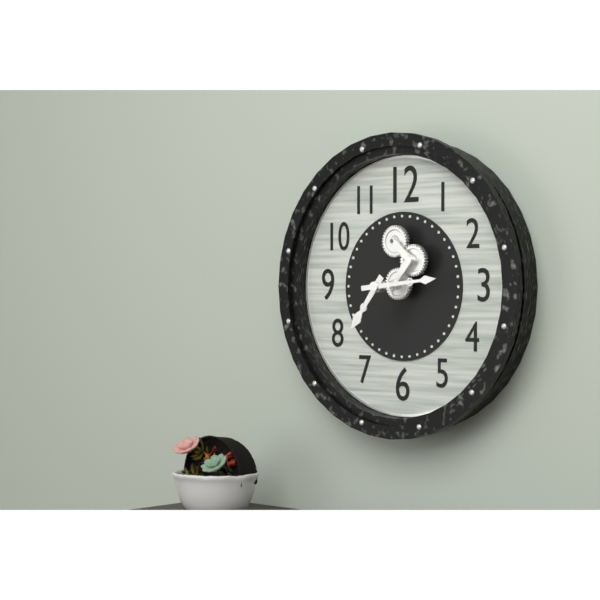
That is 7,14
